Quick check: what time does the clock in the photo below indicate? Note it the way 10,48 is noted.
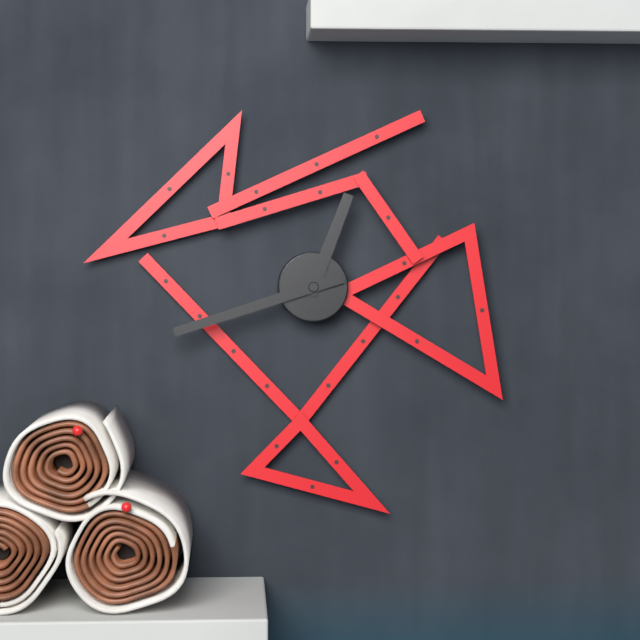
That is 12,42
